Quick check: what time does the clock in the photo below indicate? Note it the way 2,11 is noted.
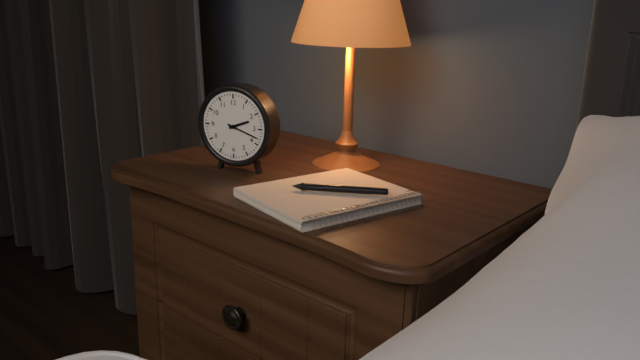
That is 2,18
